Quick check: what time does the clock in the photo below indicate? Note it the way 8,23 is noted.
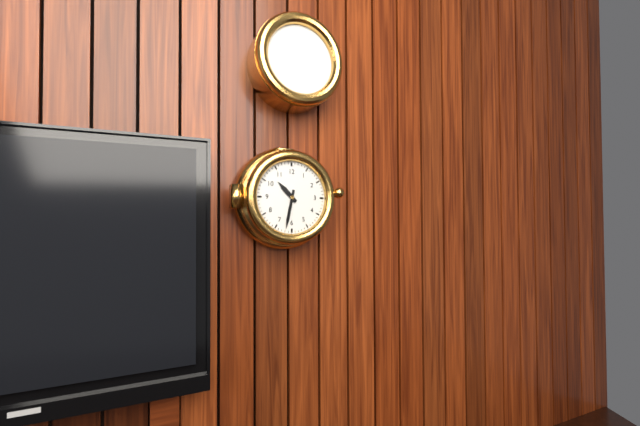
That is 10,32
